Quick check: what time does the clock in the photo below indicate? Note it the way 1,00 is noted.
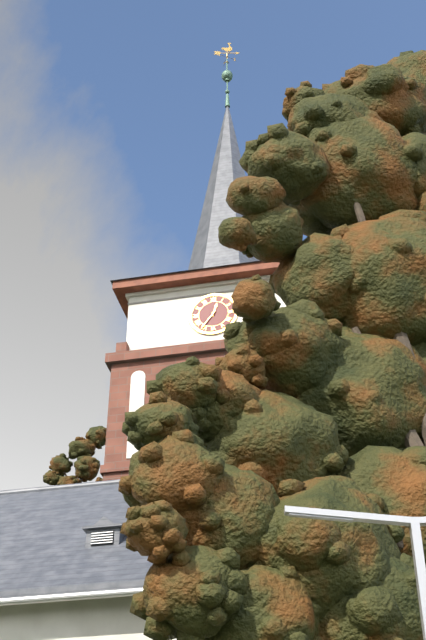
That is 12,36
